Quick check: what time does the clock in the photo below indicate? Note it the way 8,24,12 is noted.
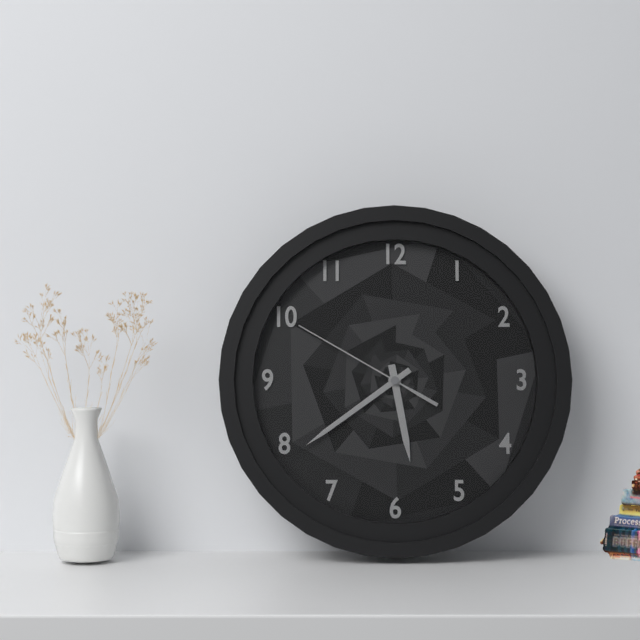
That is 5,39,50
